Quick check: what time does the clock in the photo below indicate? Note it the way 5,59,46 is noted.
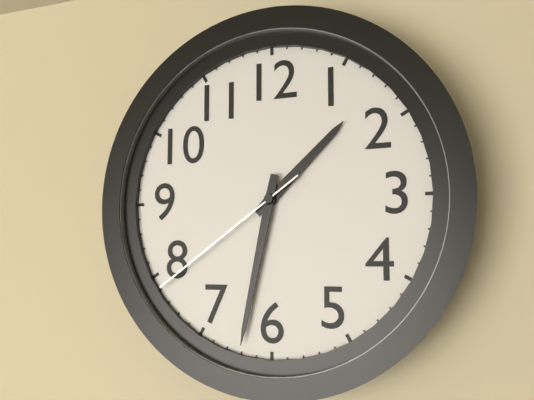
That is 1,32,39
